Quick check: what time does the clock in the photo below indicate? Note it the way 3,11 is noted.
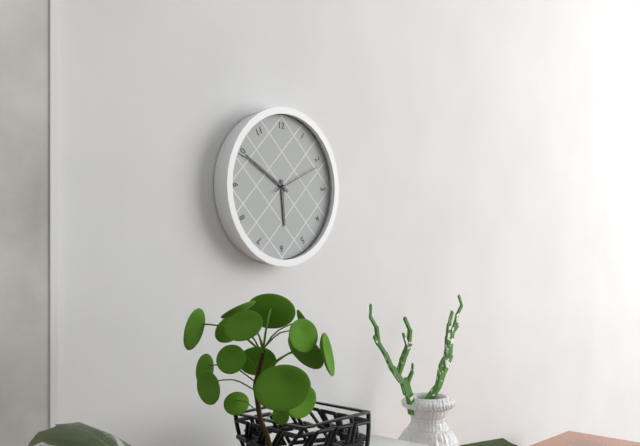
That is 5,50
